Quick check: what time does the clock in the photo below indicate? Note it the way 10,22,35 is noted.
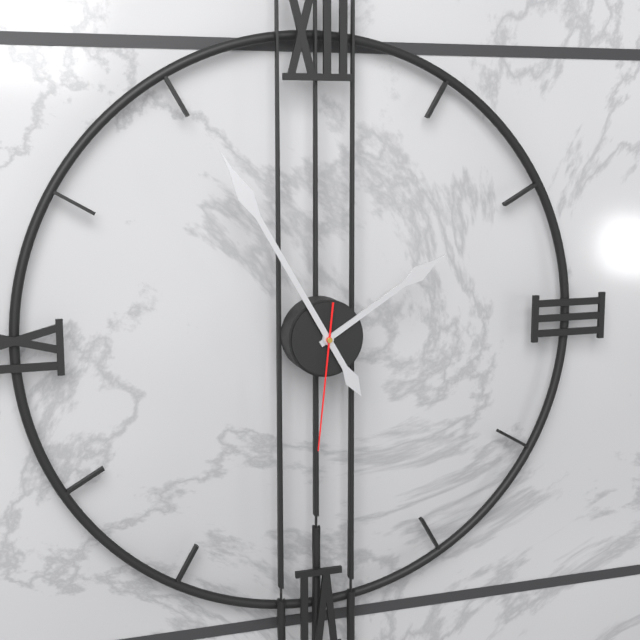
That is 1,55,31
